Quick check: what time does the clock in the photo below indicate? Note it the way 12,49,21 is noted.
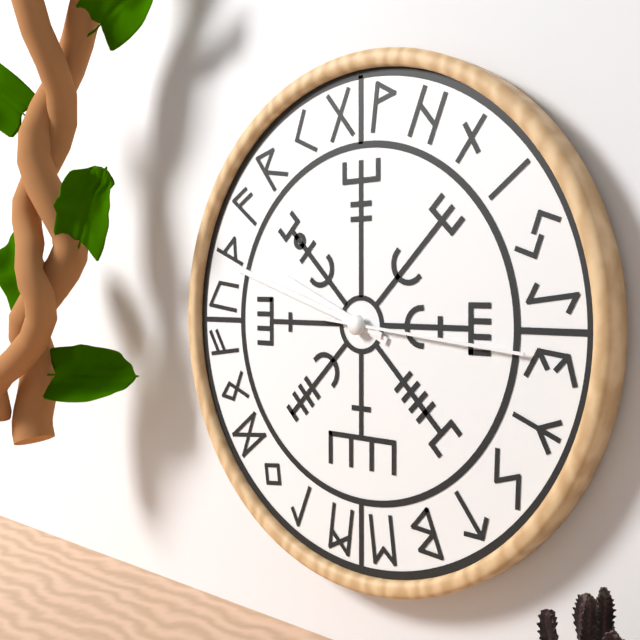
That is 9,48,16
